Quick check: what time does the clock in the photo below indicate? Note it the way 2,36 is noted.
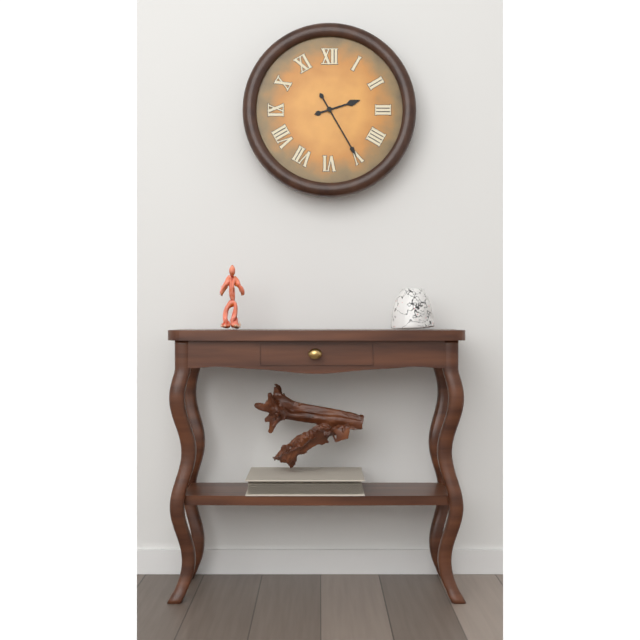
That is 2,25
